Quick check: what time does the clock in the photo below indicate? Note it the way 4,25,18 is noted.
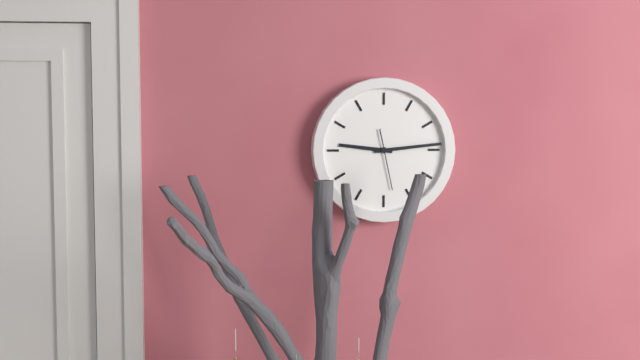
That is 9,14,28
